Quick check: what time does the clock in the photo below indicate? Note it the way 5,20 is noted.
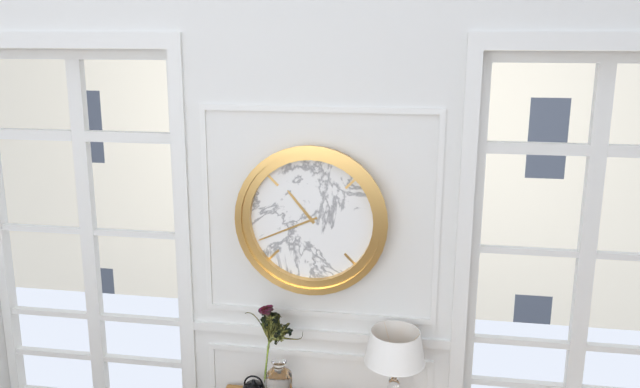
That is 10,41
